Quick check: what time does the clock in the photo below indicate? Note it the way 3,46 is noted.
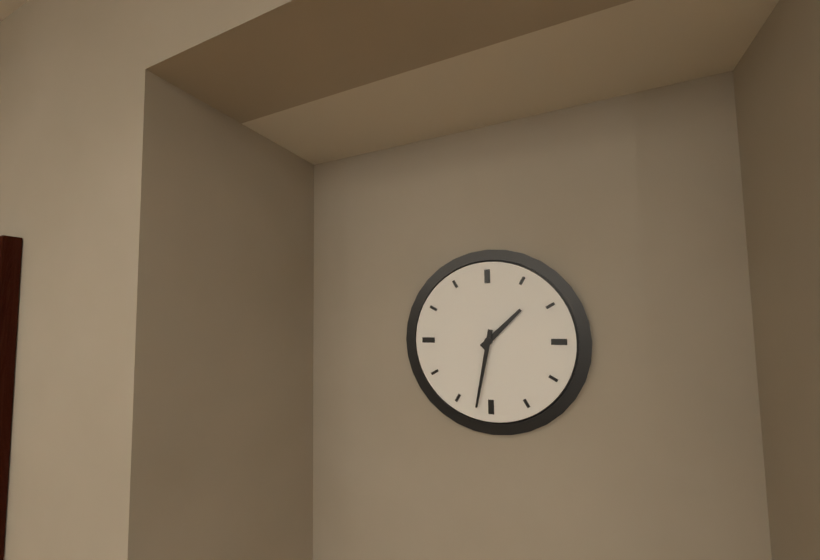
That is 1,32
